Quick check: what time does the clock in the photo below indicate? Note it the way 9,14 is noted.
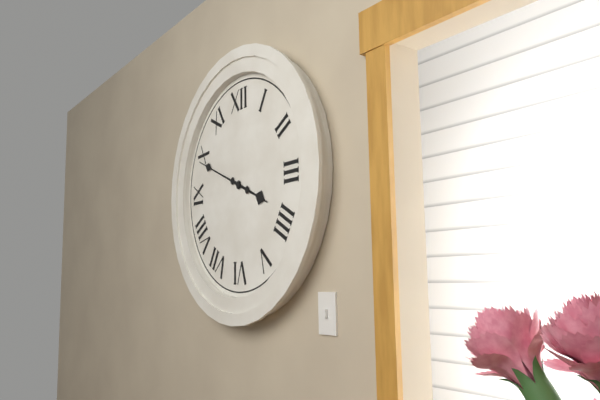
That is 3,49
